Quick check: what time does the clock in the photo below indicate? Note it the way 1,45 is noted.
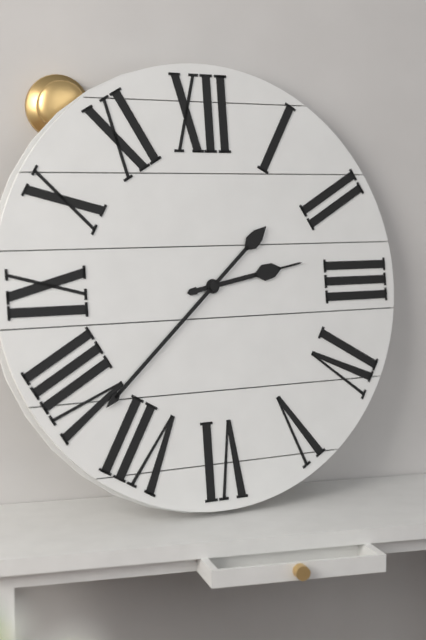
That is 2,38
